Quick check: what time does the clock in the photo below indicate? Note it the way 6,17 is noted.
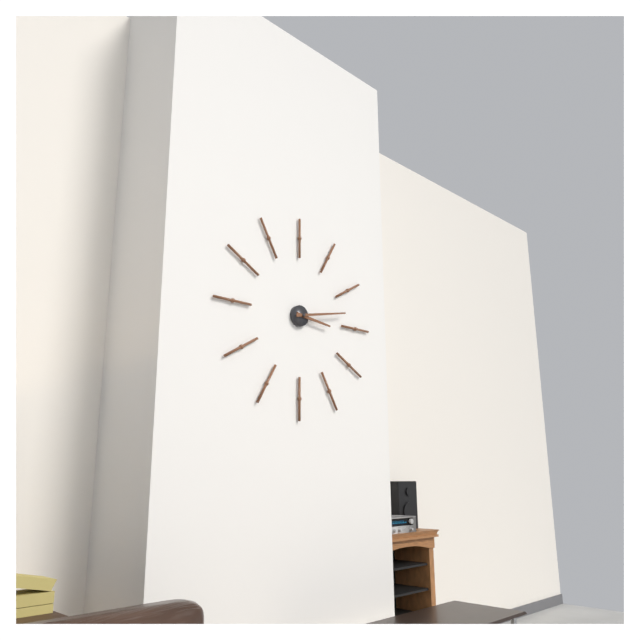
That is 3,13
